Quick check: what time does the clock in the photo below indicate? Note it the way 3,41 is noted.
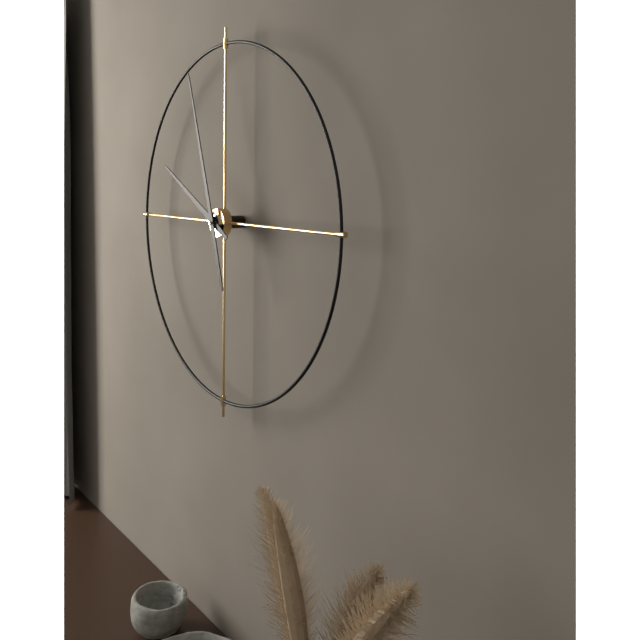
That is 9,57
